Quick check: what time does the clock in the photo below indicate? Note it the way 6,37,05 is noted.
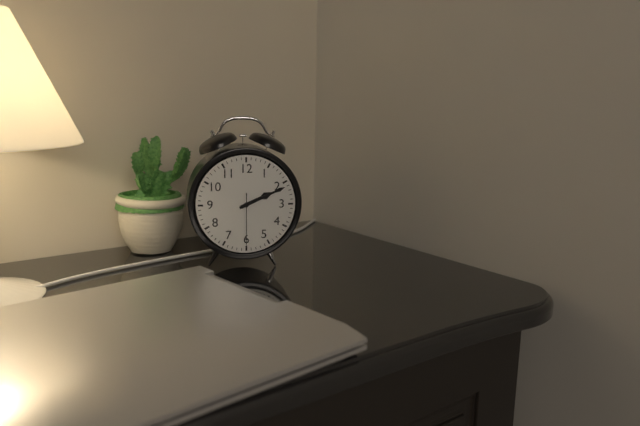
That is 2,11,30
